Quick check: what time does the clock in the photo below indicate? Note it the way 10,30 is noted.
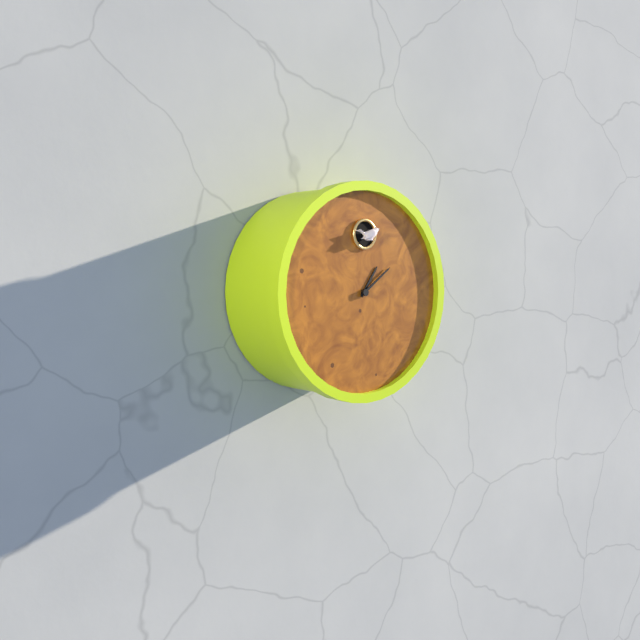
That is 1,09
